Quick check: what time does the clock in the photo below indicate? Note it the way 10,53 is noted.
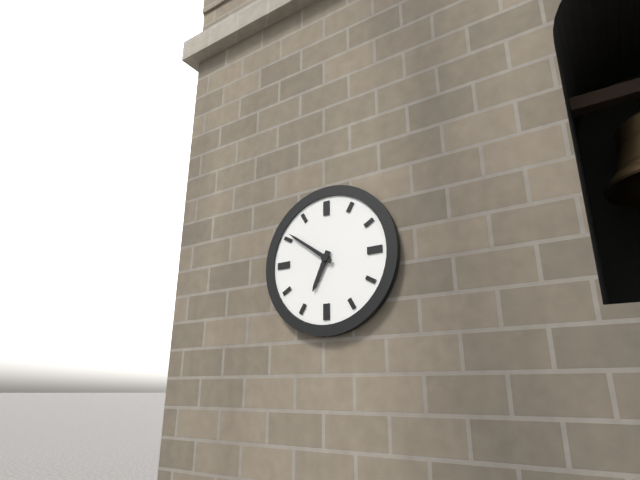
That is 6,51
